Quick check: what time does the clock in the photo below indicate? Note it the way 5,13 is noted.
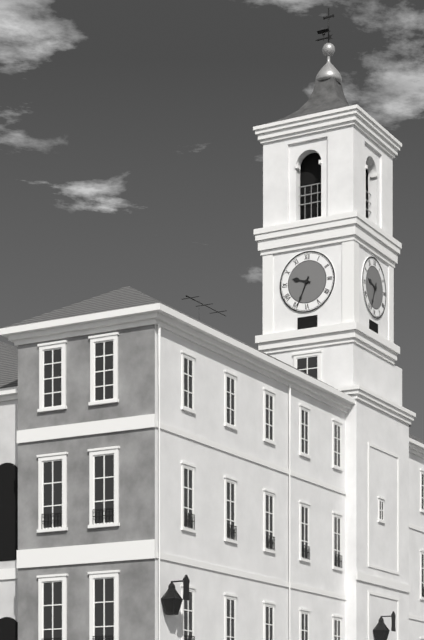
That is 9,34
